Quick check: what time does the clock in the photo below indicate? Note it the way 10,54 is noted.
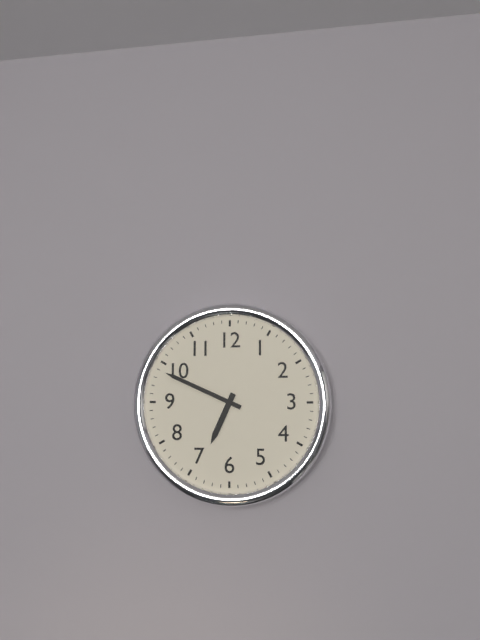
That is 6,49
